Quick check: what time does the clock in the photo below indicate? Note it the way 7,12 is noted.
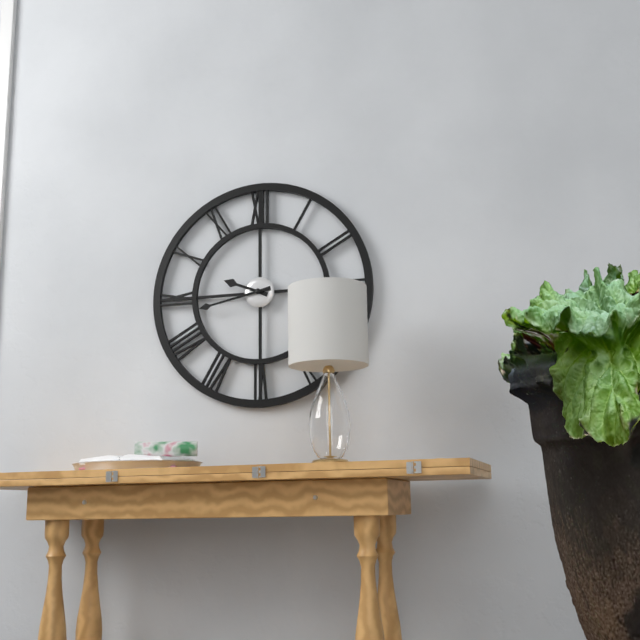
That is 9,43
